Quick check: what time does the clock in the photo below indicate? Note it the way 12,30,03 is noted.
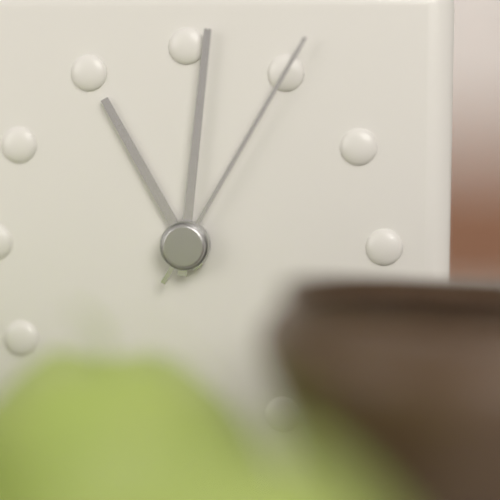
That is 11,01,05
